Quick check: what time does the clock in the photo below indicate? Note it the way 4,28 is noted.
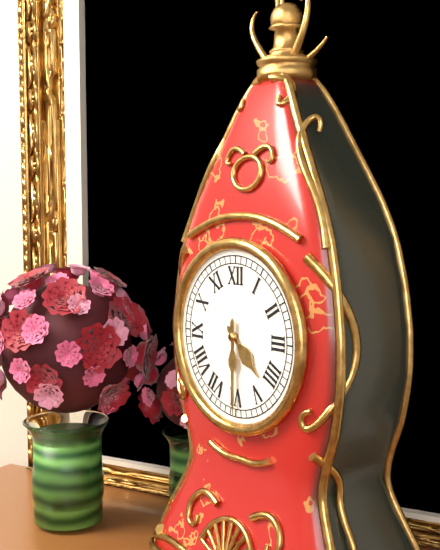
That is 4,30
